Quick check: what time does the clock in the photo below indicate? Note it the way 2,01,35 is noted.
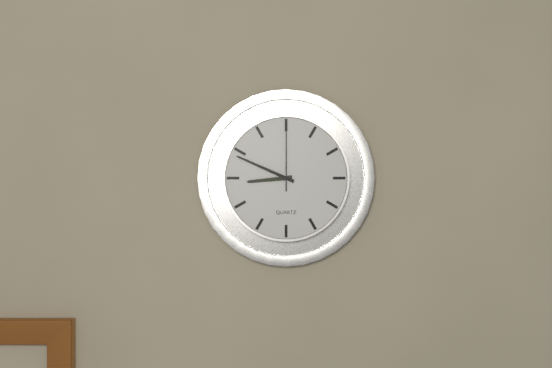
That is 8,49,00
